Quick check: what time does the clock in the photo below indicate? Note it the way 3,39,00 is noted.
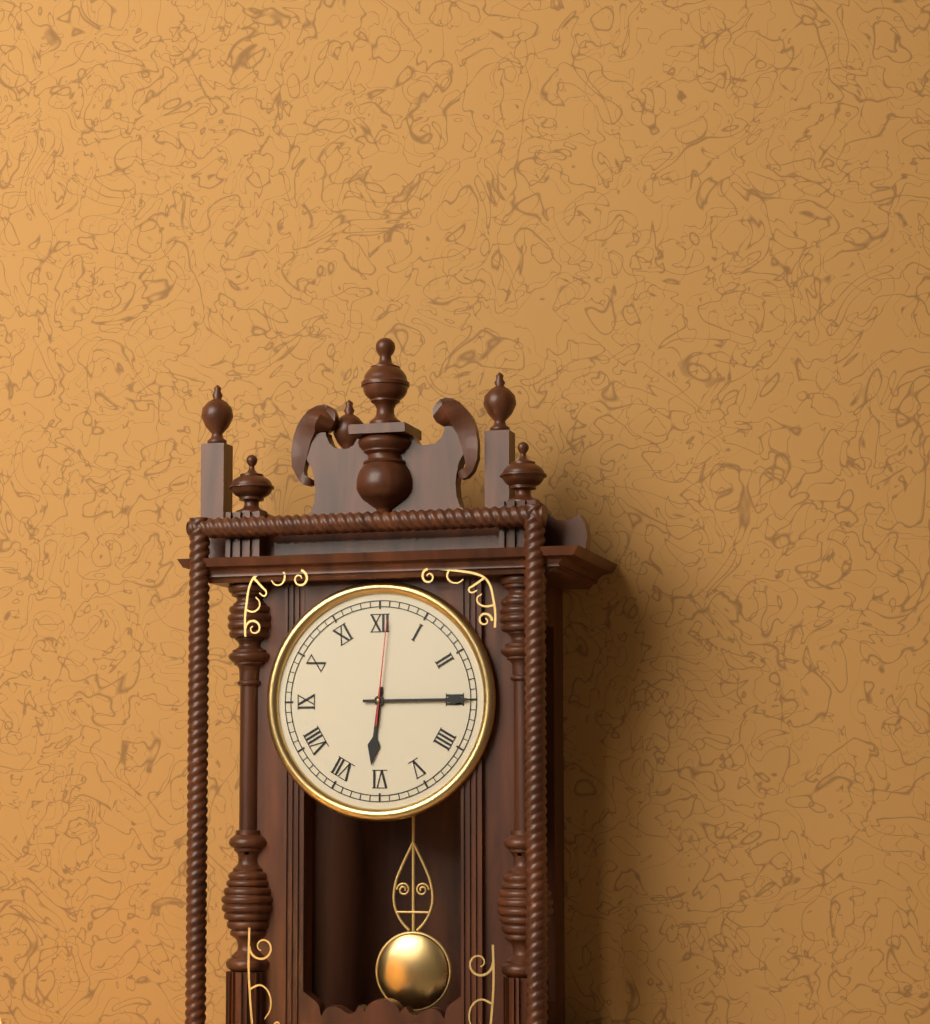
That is 6,15,01
